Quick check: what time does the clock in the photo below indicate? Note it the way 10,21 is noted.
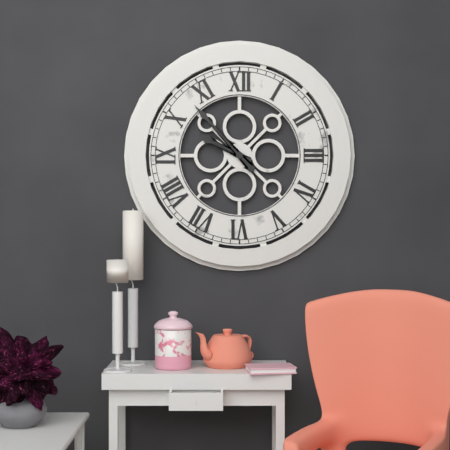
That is 9,53
